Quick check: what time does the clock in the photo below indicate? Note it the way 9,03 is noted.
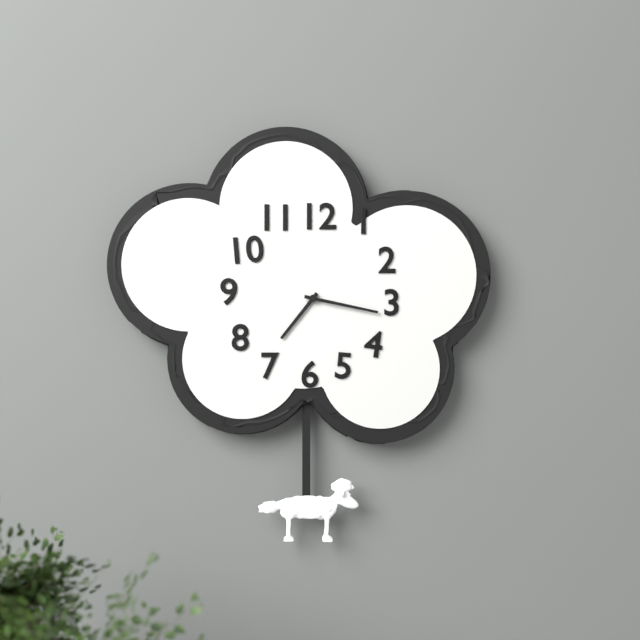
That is 7,17
